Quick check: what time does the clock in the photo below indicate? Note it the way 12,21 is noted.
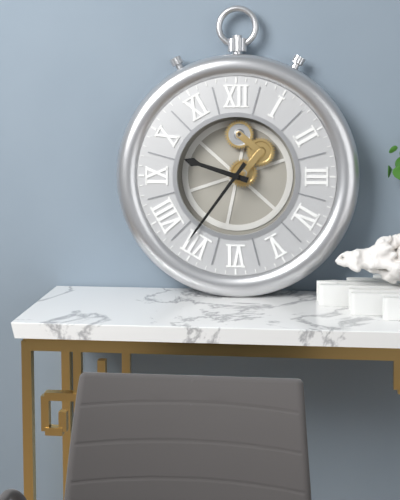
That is 9,36
